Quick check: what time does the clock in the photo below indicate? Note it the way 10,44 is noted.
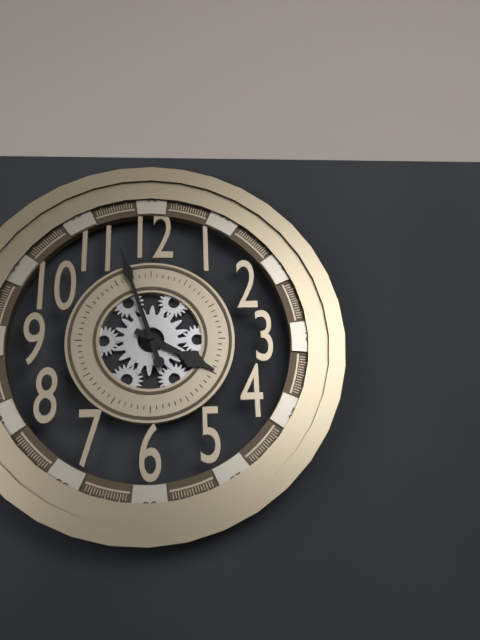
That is 3,57
